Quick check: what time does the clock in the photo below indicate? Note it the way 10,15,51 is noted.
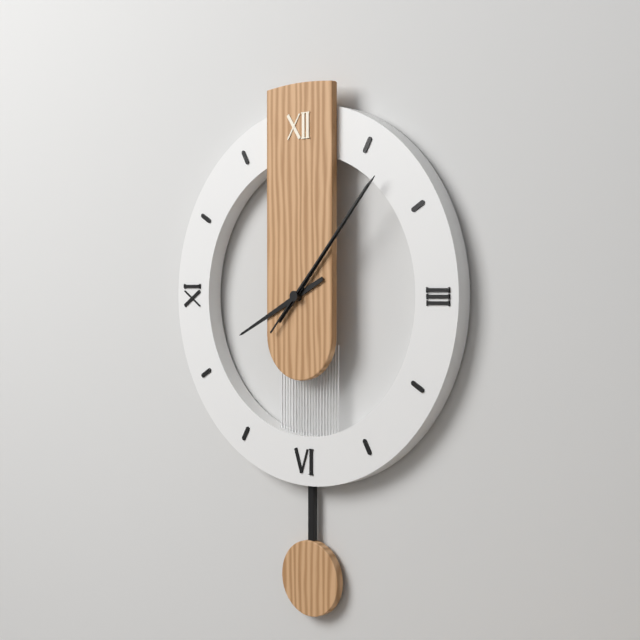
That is 8,07,07
